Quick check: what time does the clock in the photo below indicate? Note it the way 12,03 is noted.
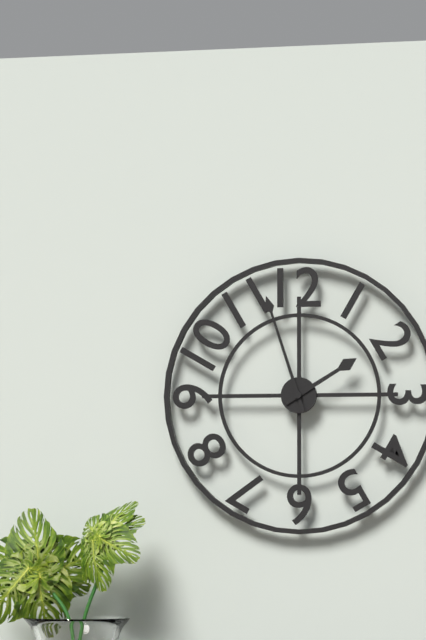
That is 1,57
